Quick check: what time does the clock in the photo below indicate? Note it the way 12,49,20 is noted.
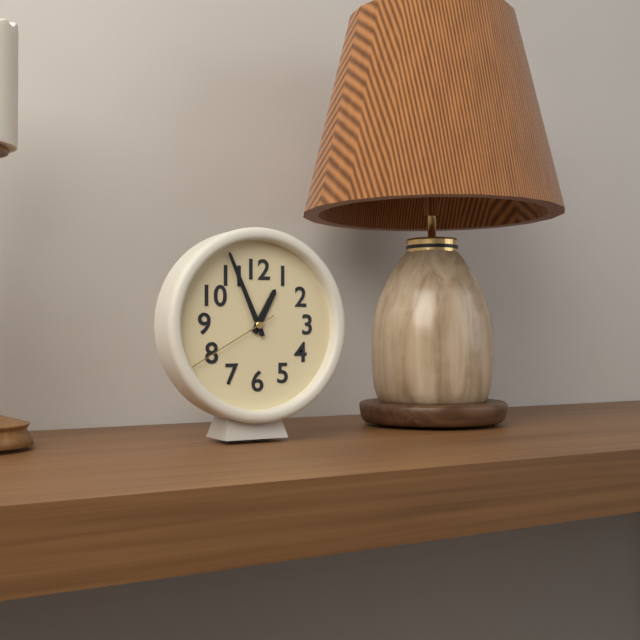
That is 12,56,40
